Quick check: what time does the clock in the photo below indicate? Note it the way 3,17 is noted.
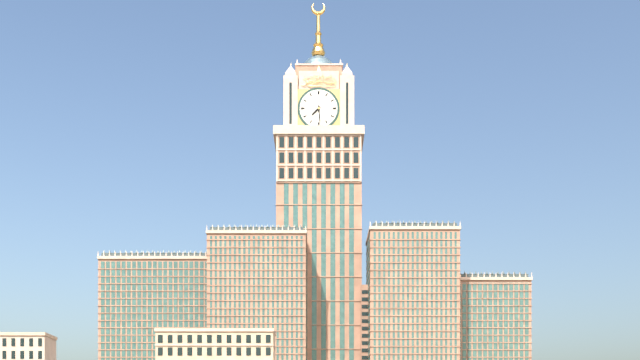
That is 7,29
